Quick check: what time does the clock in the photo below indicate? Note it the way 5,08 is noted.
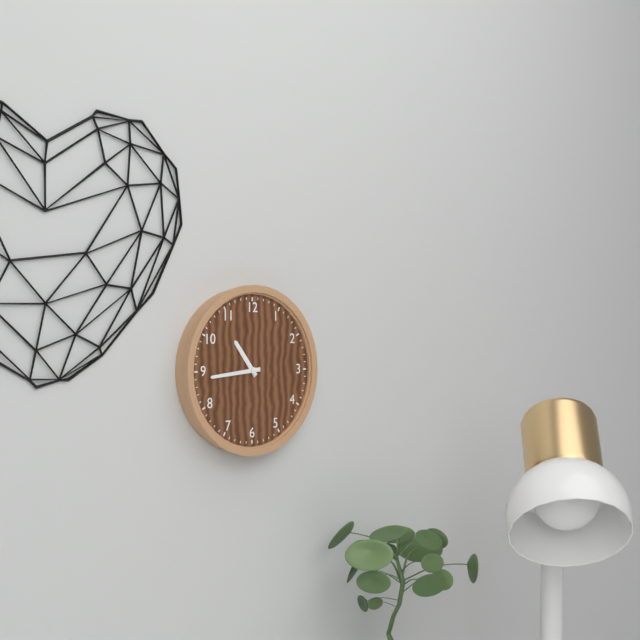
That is 10,44
